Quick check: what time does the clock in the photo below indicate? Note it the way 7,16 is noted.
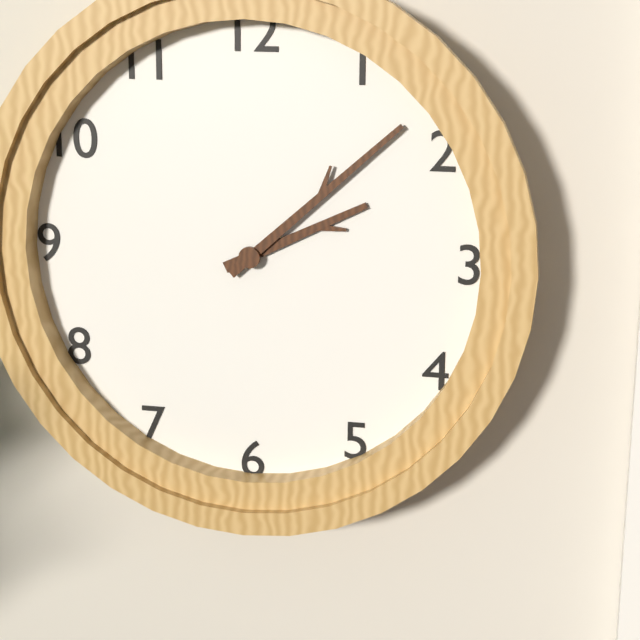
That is 2,08
